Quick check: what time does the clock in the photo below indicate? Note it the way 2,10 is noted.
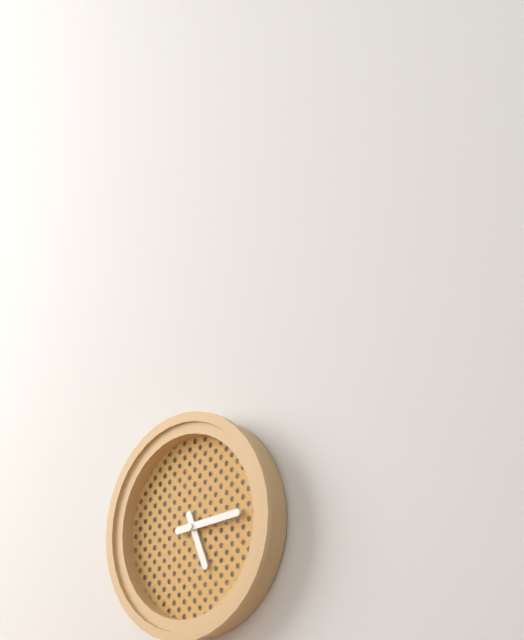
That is 5,14
